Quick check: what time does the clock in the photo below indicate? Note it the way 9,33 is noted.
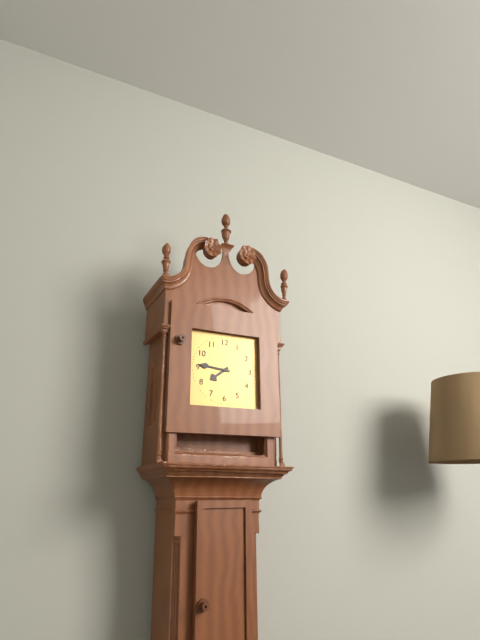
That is 7,46
